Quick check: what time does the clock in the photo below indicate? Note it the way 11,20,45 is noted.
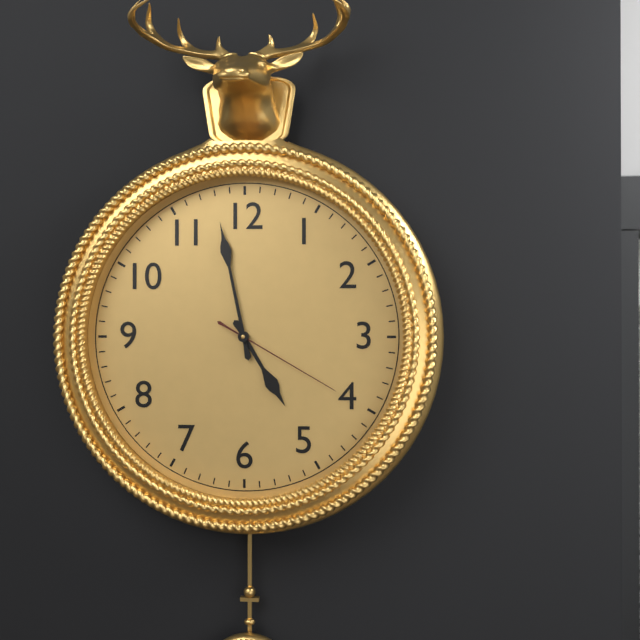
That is 4,58,20
